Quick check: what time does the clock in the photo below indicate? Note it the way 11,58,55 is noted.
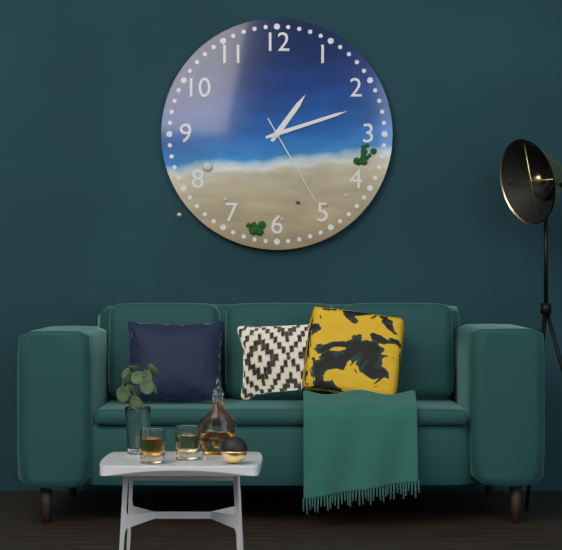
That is 1,12,25
